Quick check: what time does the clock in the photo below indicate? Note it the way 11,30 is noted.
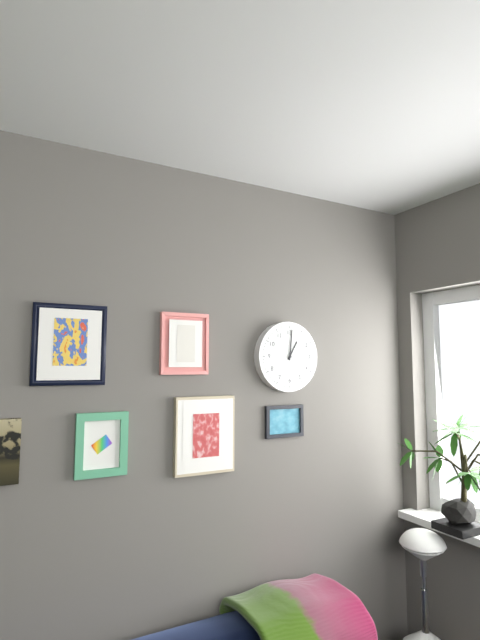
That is 1,01
